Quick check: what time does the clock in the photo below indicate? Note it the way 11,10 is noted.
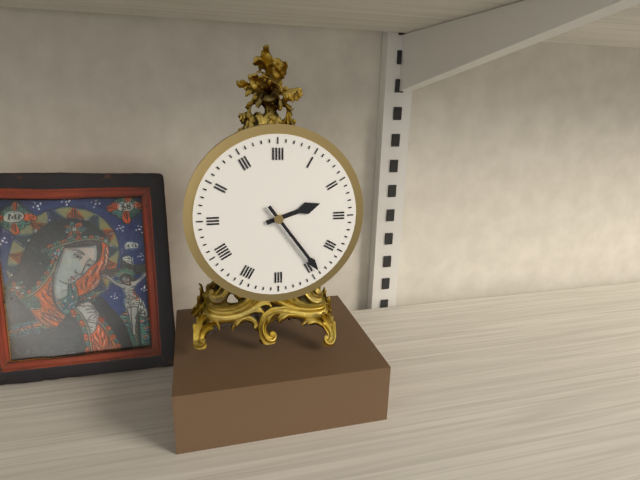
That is 2,24
